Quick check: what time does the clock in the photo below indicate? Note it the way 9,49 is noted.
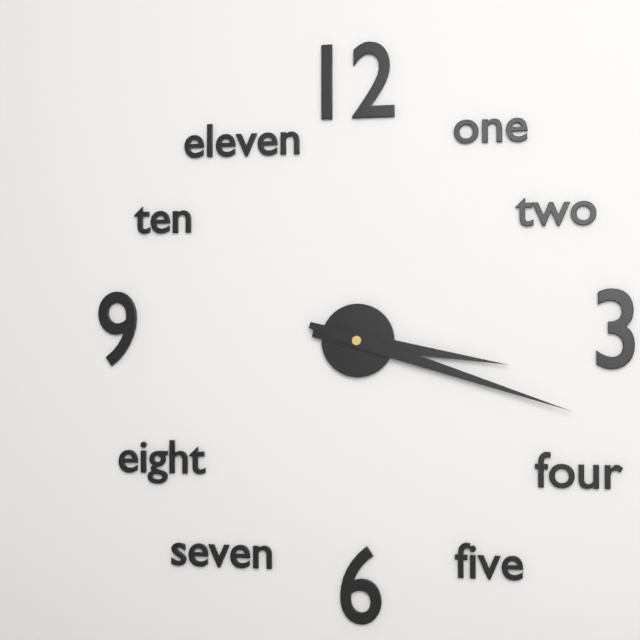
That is 3,18
